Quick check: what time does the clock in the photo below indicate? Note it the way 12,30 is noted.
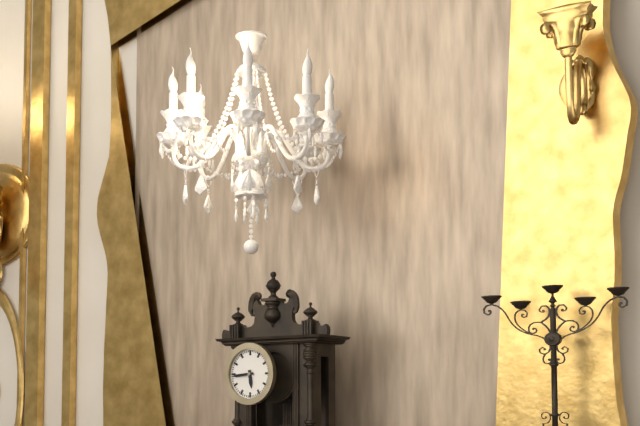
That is 5,44
